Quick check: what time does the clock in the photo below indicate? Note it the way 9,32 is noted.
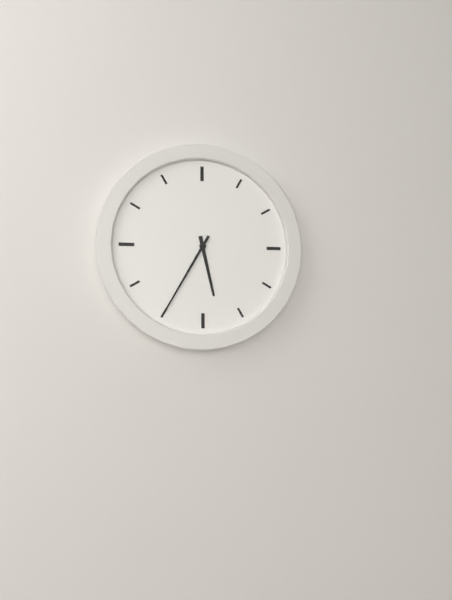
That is 5,35
